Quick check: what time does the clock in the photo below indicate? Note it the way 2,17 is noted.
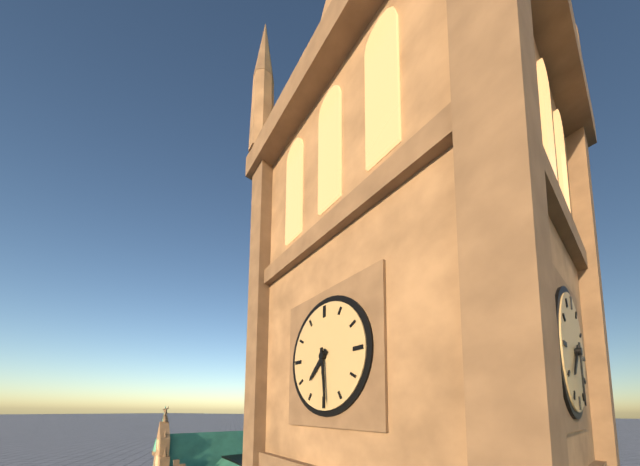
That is 7,29
